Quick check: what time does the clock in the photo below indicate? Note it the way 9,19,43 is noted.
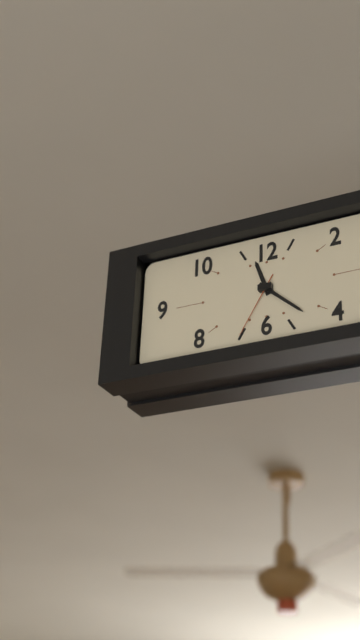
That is 11,22,35
